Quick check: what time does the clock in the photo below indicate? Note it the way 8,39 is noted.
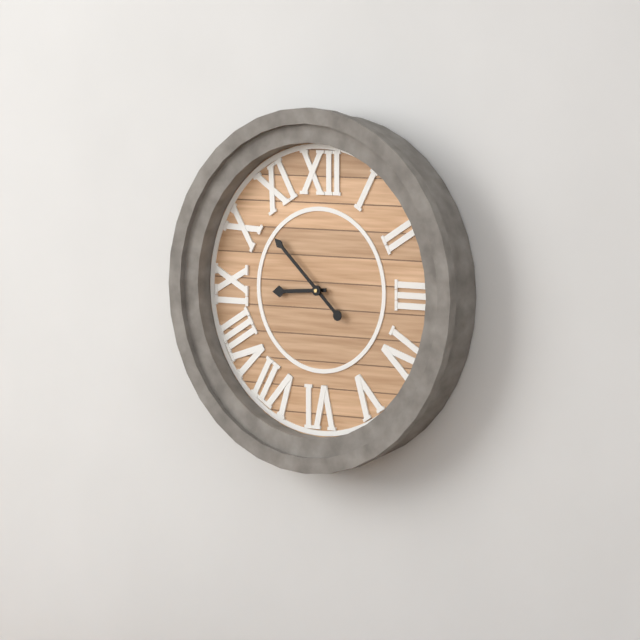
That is 8,52
